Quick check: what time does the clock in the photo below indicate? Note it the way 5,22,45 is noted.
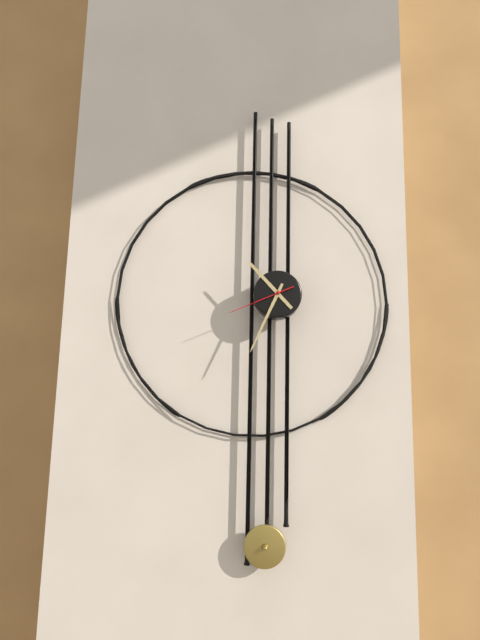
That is 10,34,41
